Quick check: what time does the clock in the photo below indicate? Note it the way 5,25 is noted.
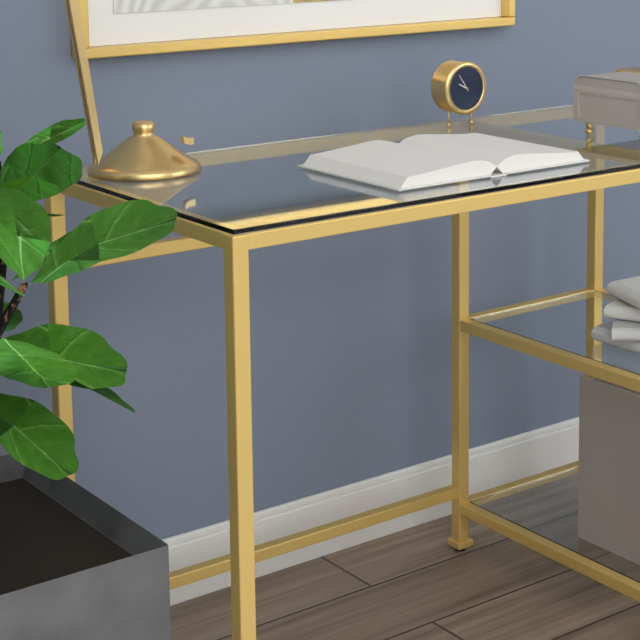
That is 9,54
